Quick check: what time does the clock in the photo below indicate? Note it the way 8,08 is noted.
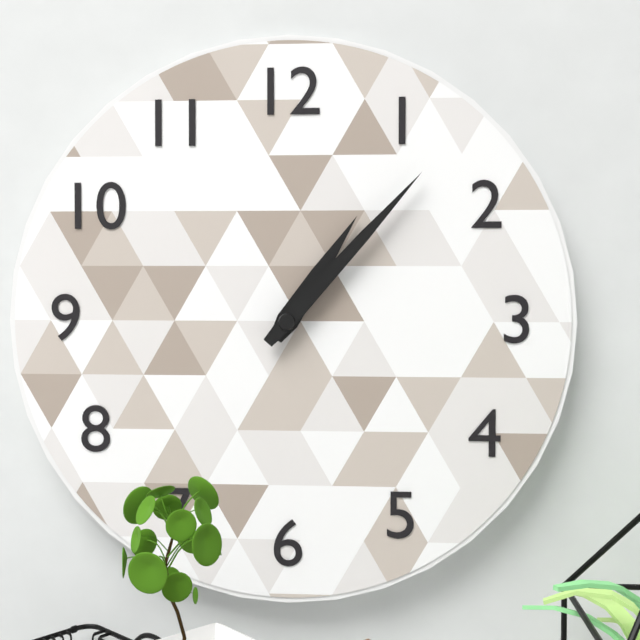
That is 1,07
